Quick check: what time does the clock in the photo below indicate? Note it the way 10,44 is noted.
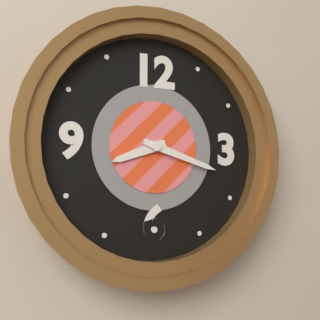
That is 8,18
